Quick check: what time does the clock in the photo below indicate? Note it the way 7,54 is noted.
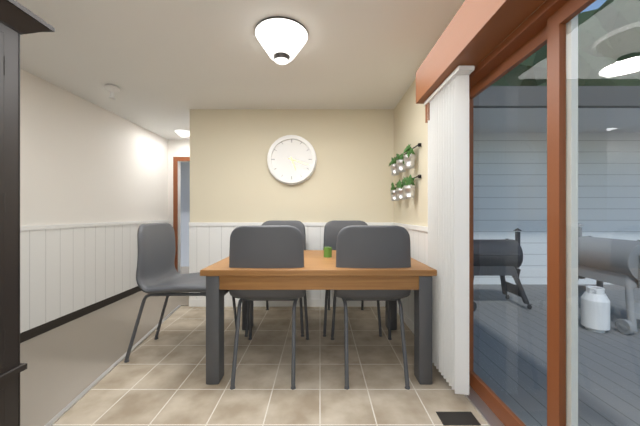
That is 5,18
